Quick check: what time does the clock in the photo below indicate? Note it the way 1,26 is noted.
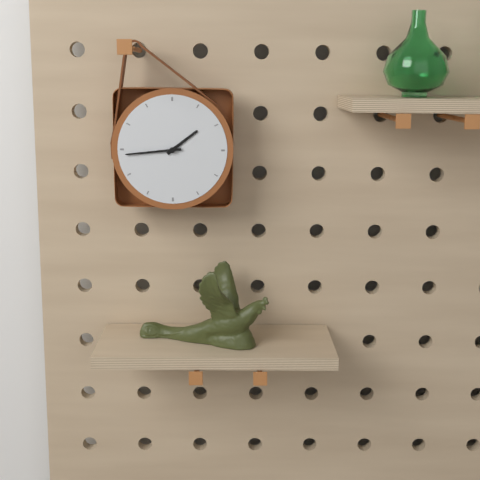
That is 1,44
